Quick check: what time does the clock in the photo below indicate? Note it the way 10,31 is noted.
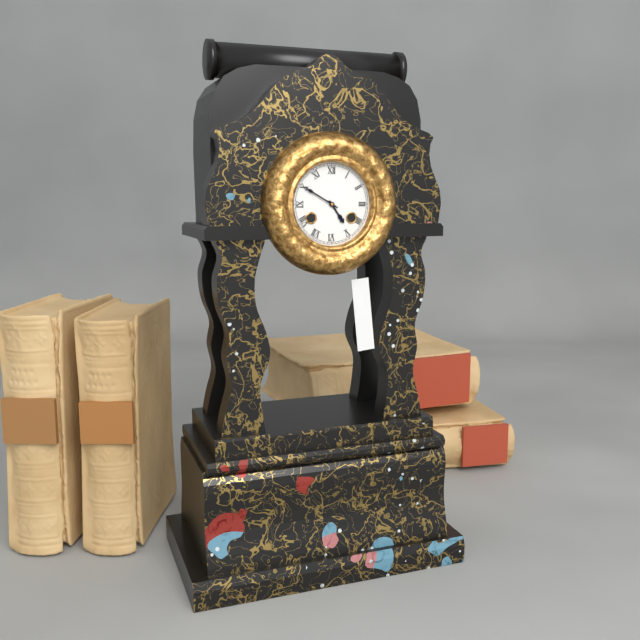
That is 4,50
